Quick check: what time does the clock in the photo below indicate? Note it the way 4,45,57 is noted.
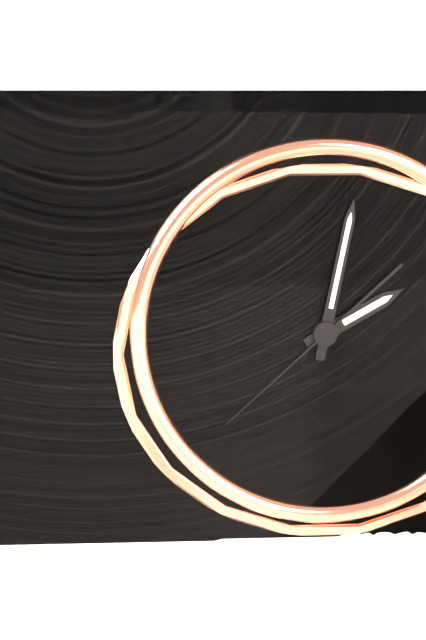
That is 2,02,38
